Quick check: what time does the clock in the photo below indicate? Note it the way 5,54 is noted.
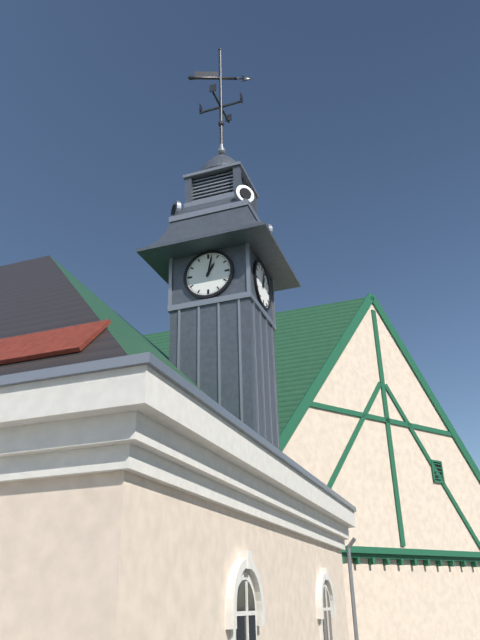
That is 1,02
